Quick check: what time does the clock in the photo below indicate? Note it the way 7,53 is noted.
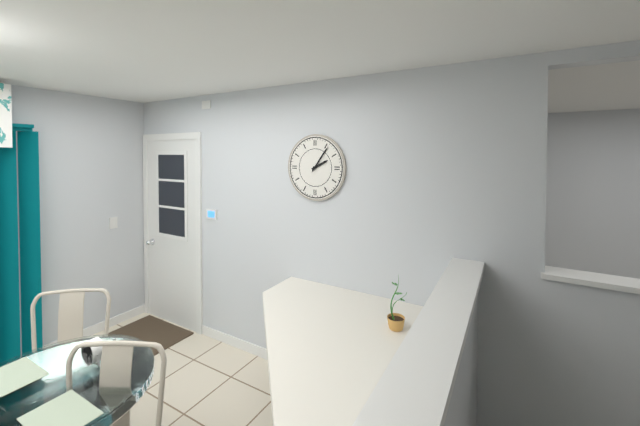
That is 2,06
